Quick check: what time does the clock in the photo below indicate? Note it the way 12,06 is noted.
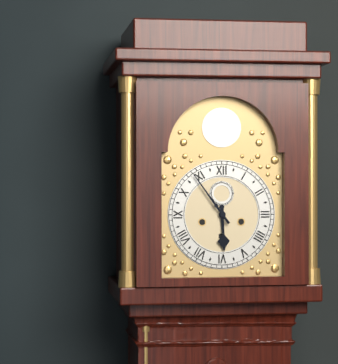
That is 5,54
